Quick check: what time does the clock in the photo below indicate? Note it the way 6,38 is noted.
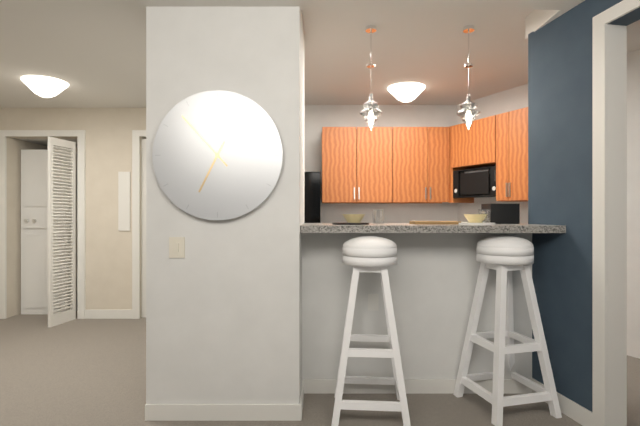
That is 6,53
